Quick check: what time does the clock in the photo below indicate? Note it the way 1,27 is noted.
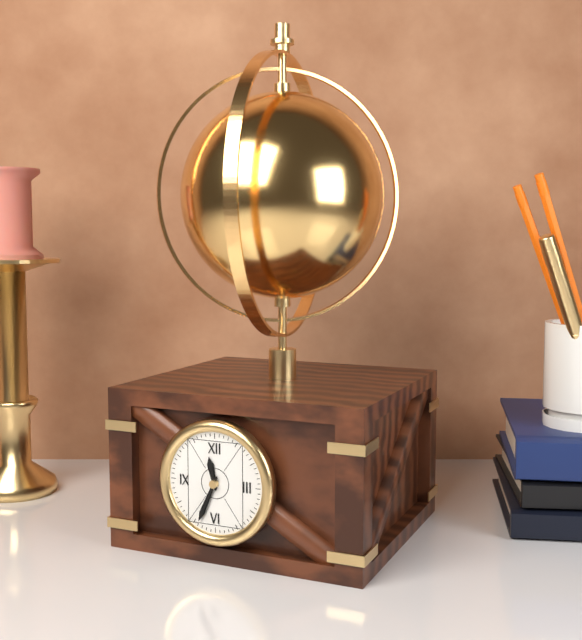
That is 11,34
